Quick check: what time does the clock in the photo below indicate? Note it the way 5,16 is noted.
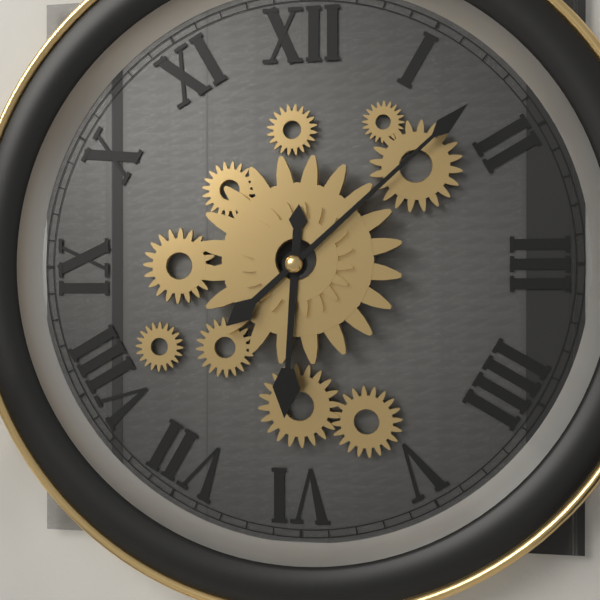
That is 6,08
